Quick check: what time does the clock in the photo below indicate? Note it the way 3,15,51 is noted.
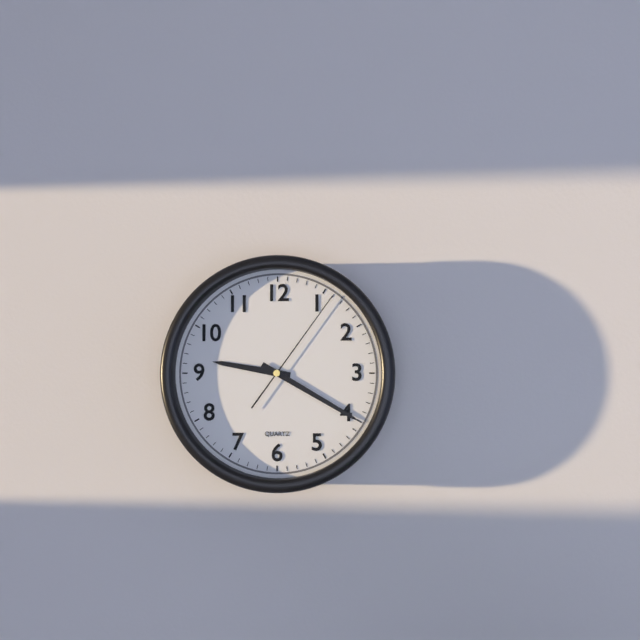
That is 9,20,06
